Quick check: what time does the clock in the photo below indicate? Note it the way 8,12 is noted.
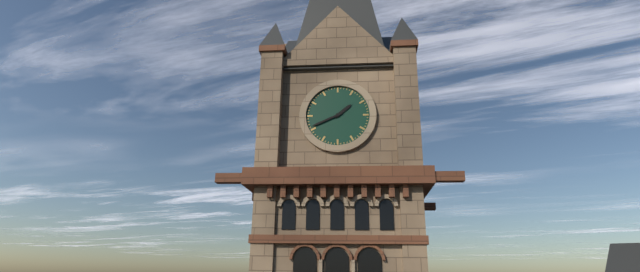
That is 1,41
